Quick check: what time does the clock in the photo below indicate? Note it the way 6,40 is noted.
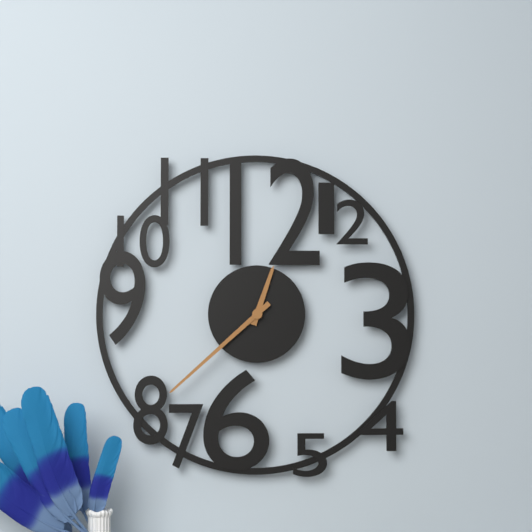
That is 12,38
